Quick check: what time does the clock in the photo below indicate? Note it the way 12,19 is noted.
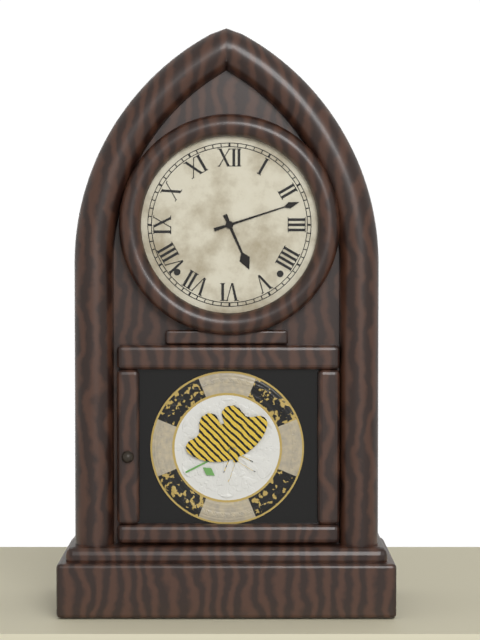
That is 5,12
